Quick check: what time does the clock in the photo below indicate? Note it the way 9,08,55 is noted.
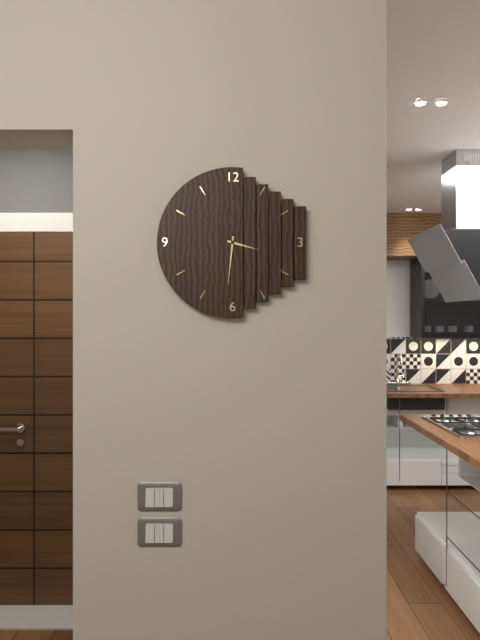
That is 3,31,55
